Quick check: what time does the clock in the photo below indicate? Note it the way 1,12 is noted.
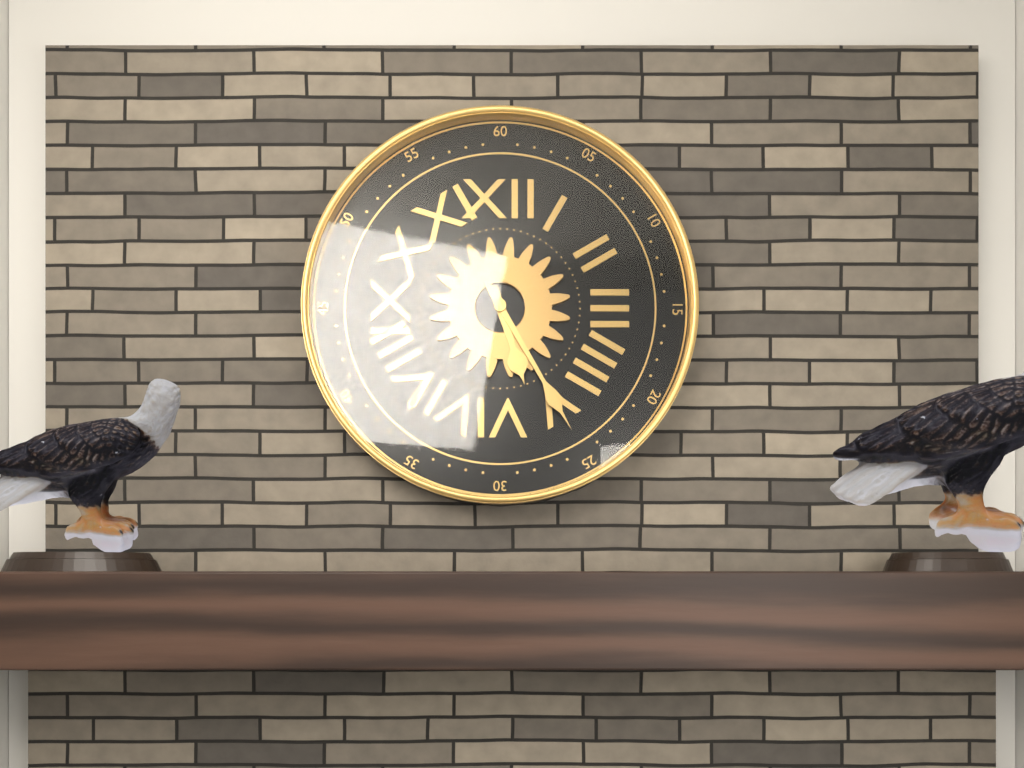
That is 5,25
